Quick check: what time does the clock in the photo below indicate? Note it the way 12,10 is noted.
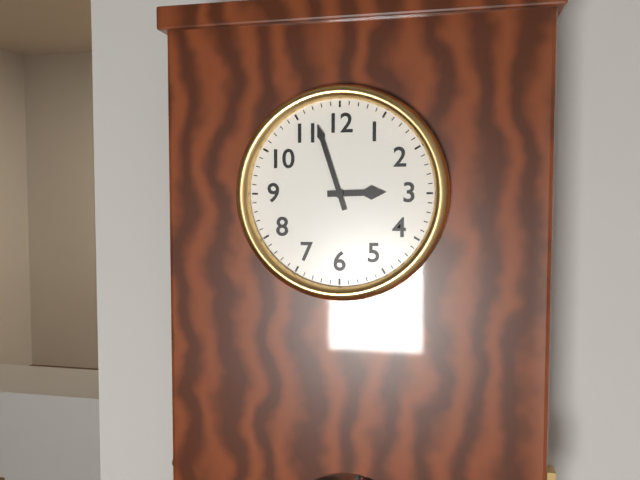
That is 2,57
